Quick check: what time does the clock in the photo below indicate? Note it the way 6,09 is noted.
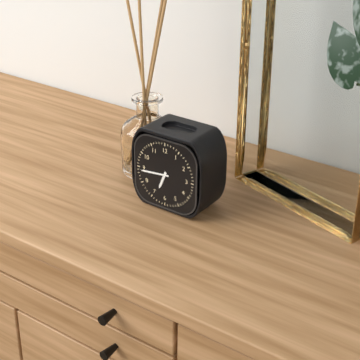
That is 6,44
